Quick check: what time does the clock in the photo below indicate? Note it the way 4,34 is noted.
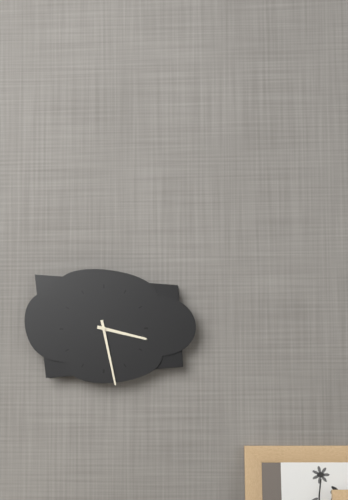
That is 3,28
